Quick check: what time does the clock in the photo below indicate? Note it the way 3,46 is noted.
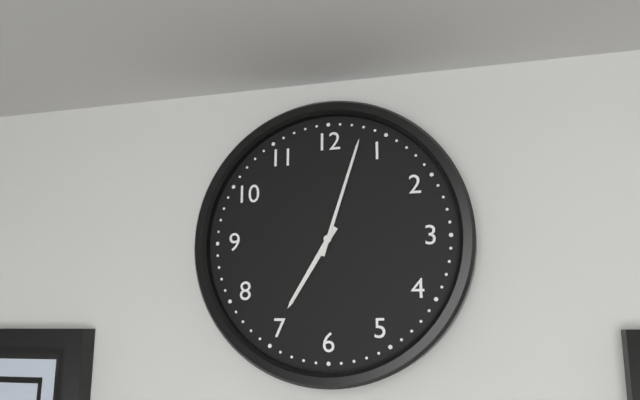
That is 7,03
